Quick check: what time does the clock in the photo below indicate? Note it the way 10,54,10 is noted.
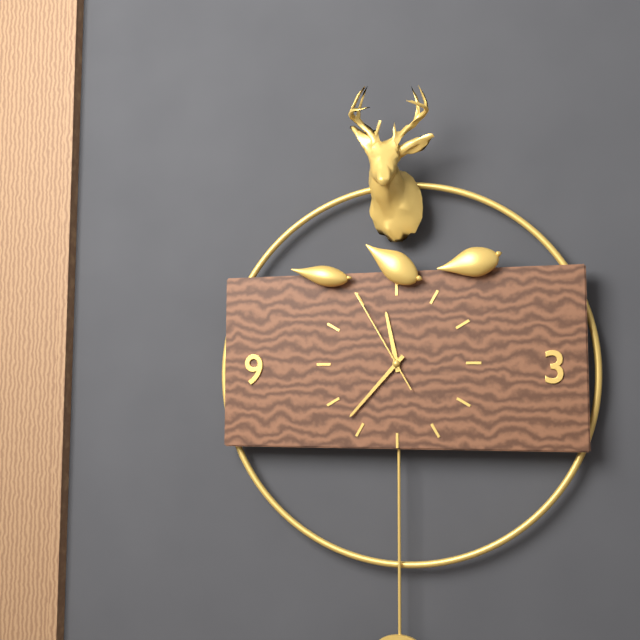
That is 11,37,55
